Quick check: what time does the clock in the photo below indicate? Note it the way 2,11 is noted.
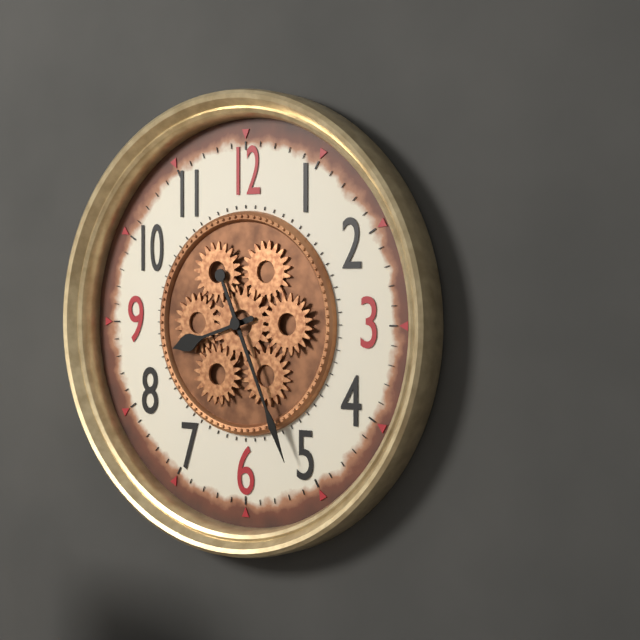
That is 8,26
